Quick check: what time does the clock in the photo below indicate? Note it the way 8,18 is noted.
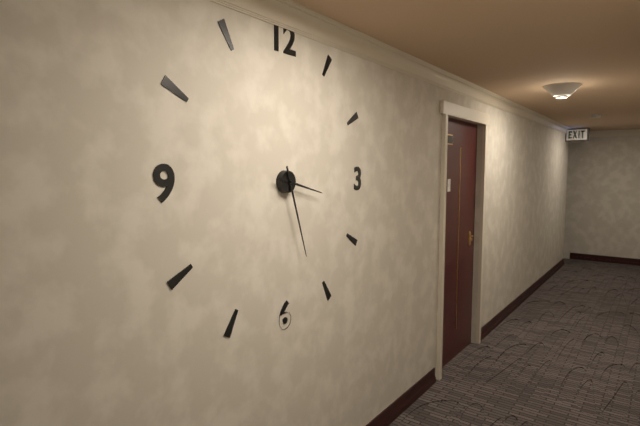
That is 3,27
